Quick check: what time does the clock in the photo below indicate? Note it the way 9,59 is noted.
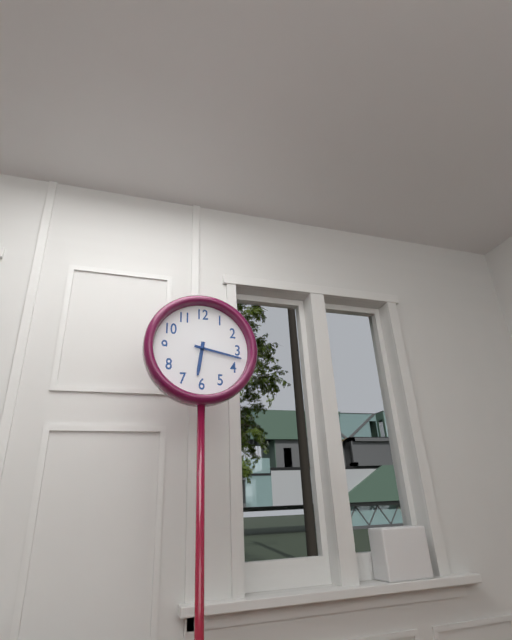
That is 6,17
